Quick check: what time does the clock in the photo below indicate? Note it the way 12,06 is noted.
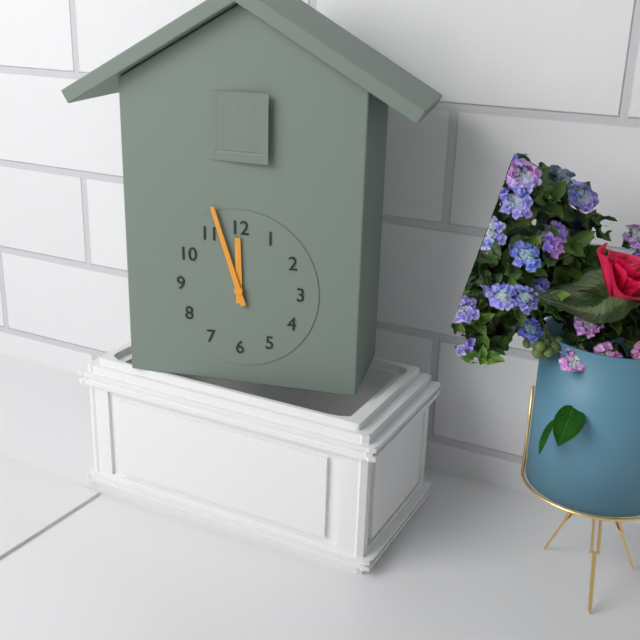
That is 11,57
